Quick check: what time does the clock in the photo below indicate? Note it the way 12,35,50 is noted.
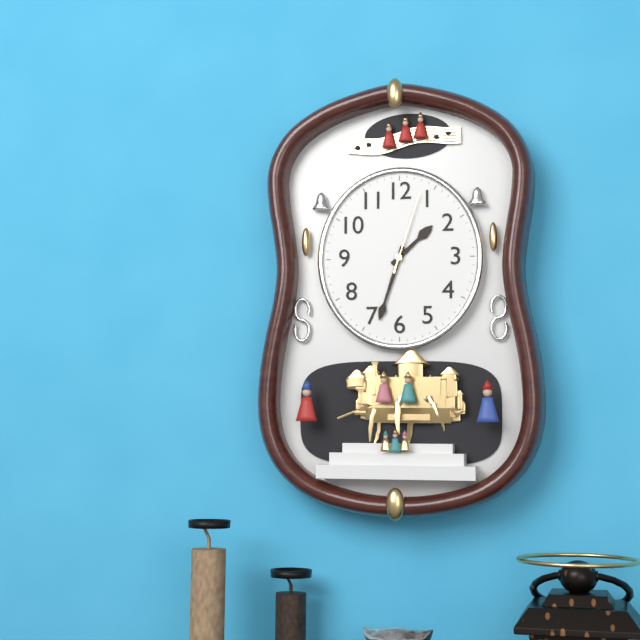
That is 1,33,03
